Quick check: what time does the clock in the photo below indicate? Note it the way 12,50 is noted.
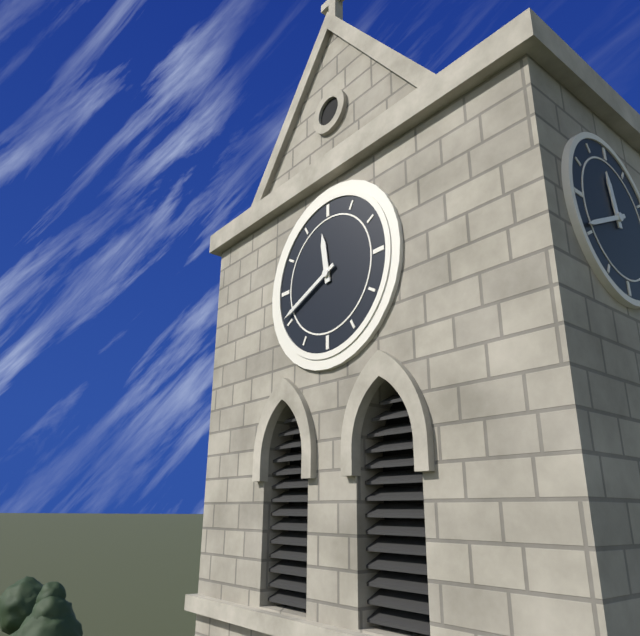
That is 11,41
